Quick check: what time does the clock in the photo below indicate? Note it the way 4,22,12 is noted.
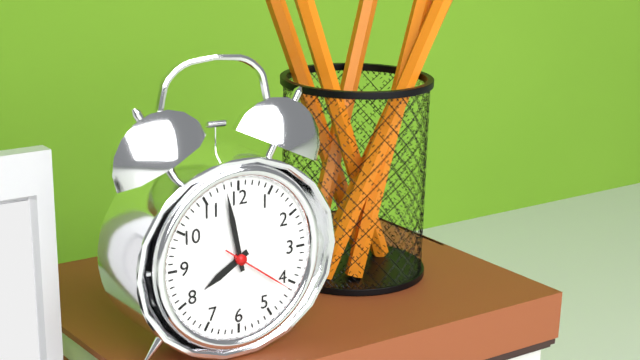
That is 7,58,21
